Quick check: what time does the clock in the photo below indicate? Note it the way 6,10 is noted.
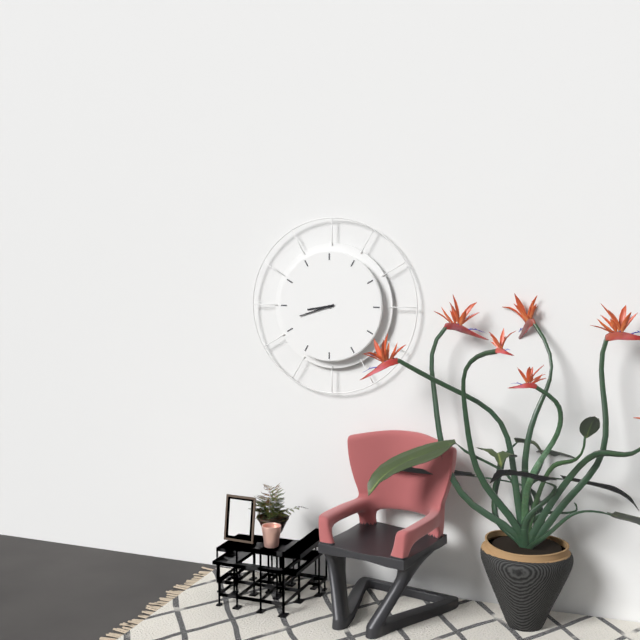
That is 8,42
